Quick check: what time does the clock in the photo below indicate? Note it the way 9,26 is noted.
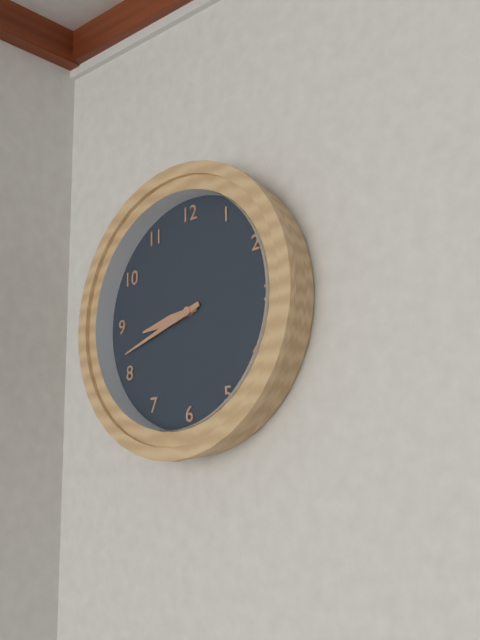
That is 8,42
